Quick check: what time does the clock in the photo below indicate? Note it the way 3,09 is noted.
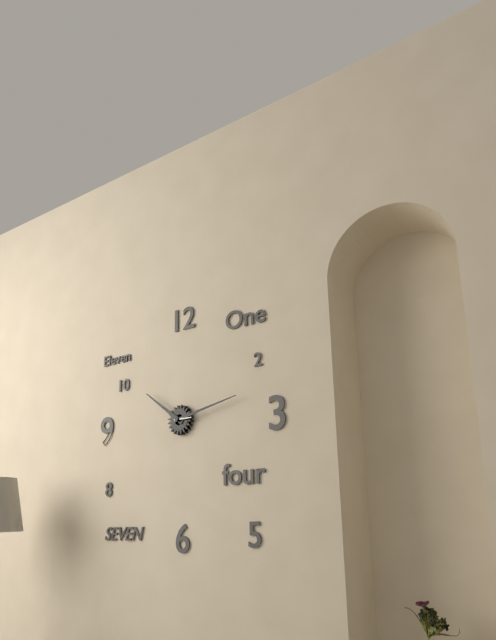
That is 10,13
